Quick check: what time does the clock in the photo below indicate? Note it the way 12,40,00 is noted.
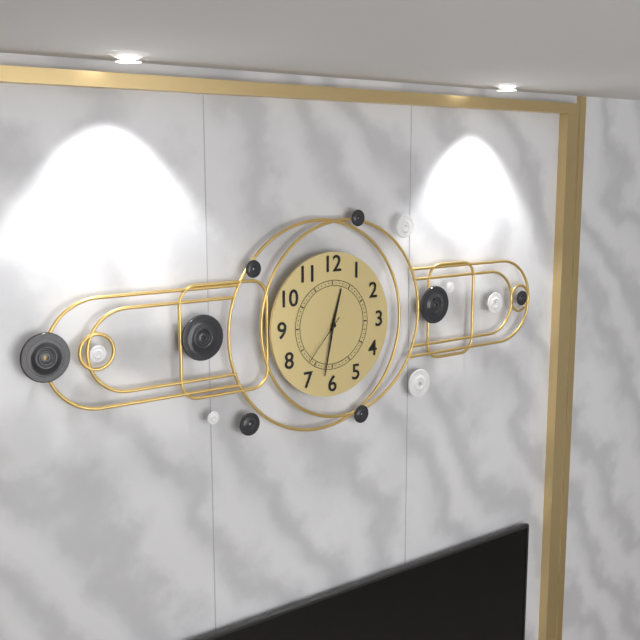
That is 12,32,37
